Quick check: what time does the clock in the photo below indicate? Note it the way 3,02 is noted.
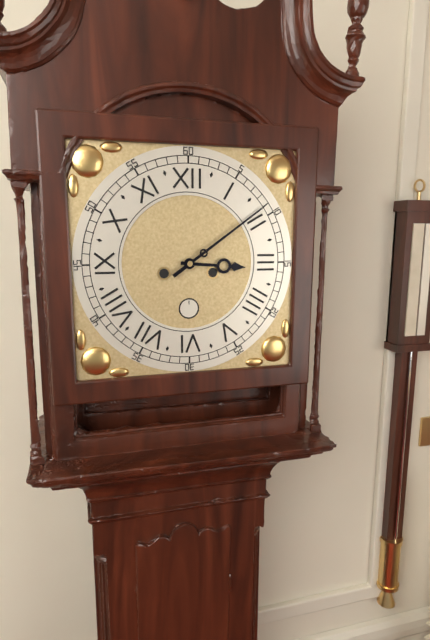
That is 3,09
